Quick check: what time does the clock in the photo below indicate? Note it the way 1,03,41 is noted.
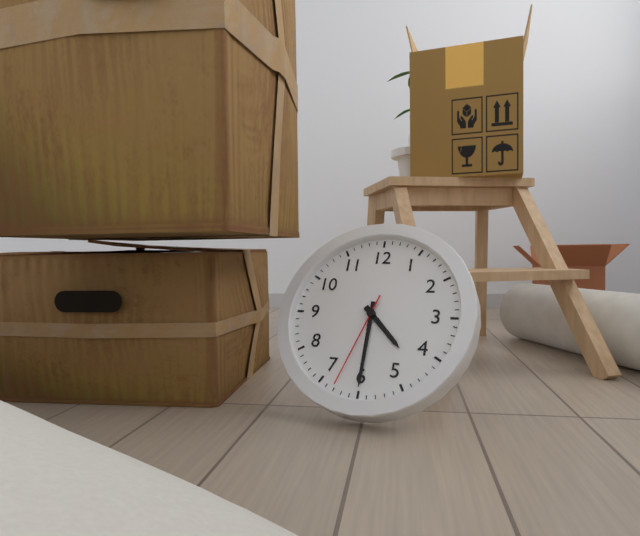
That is 4,30,33
